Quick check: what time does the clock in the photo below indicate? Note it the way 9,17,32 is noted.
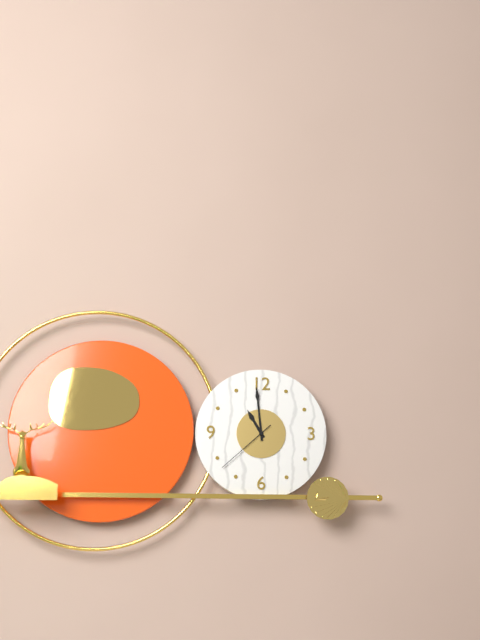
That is 10,59,38
